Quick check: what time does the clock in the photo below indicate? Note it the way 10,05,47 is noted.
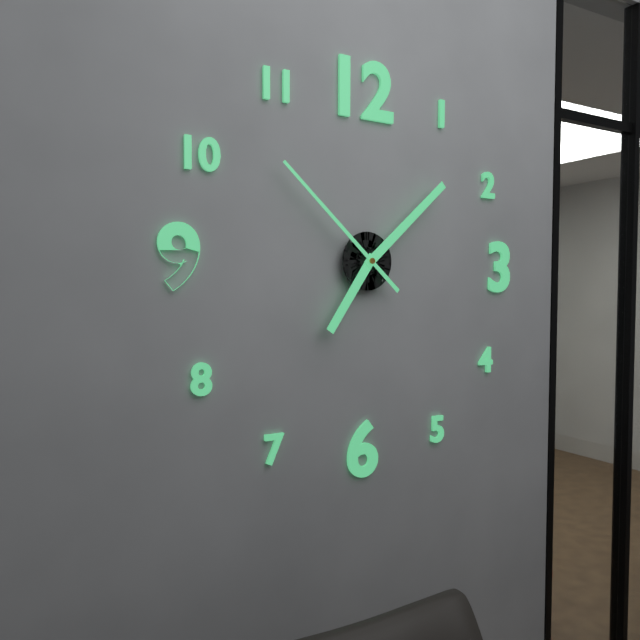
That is 7,08,52
